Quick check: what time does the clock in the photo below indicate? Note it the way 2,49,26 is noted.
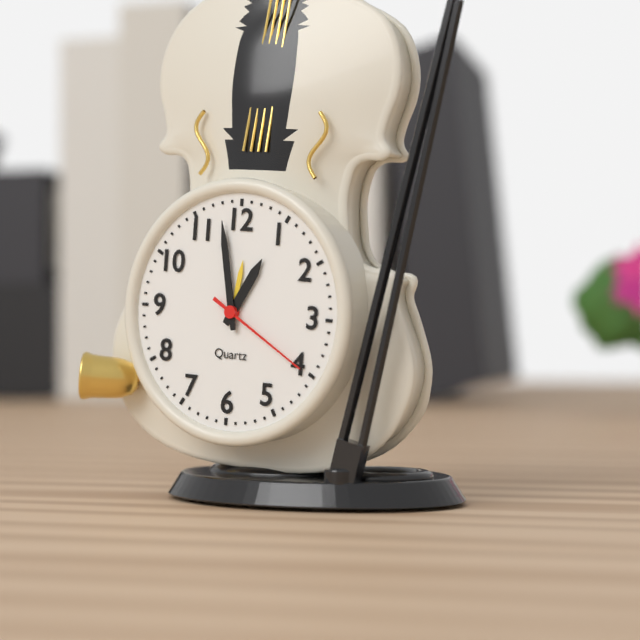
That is 12,58,20
